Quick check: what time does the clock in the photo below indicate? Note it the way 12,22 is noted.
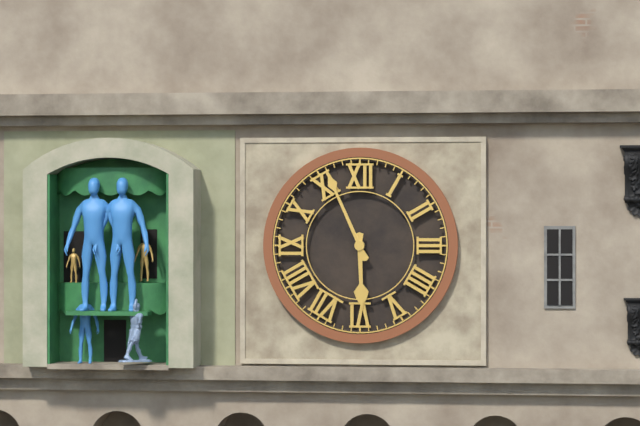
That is 5,56
